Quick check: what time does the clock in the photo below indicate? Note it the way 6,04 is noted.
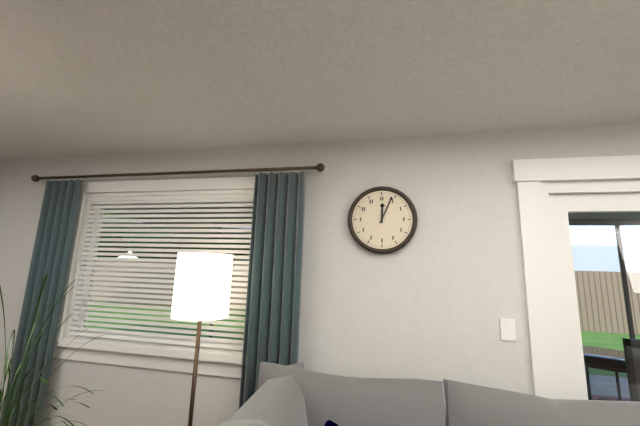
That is 12,04
